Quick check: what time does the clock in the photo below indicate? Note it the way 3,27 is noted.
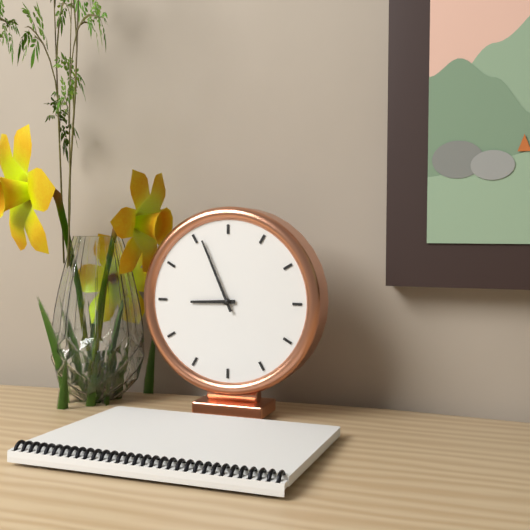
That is 8,56
